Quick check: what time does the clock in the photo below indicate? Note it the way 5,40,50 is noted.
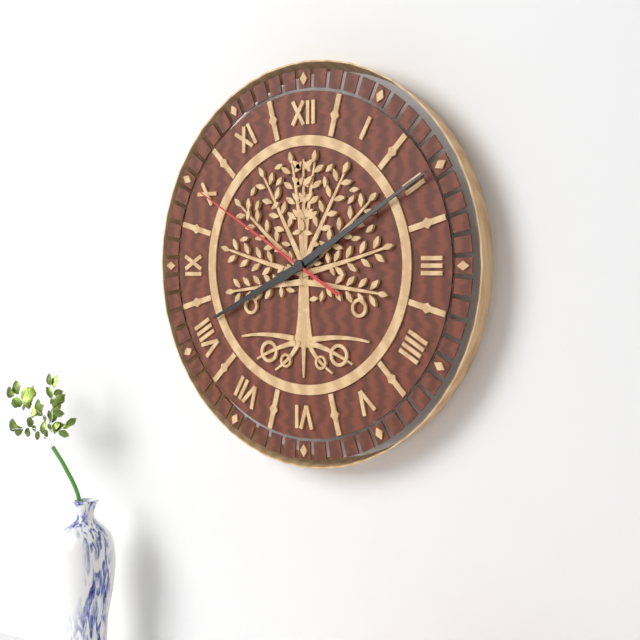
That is 8,10,50
